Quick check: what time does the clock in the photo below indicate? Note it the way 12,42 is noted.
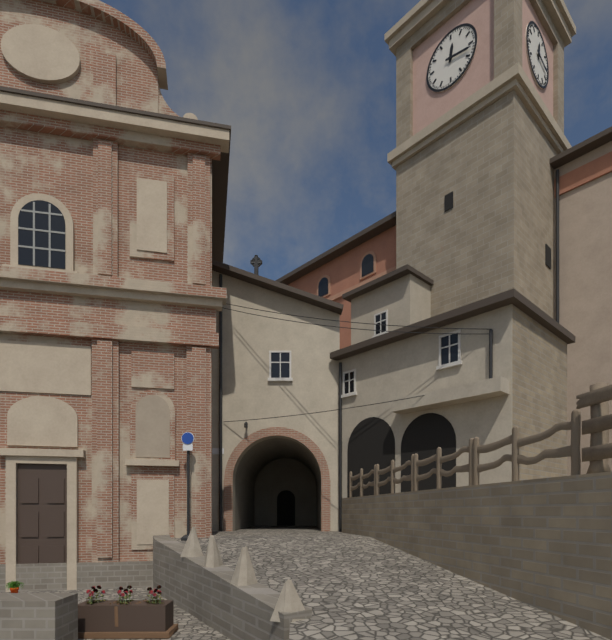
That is 12,17
